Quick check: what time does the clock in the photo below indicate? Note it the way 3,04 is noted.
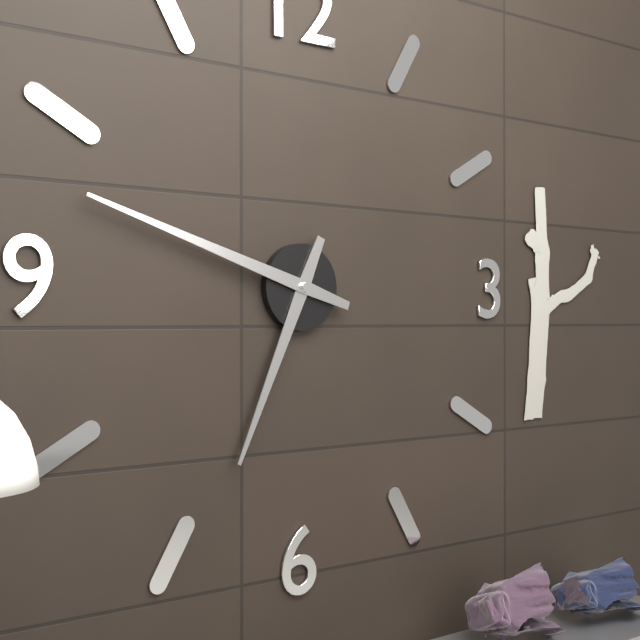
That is 6,48
